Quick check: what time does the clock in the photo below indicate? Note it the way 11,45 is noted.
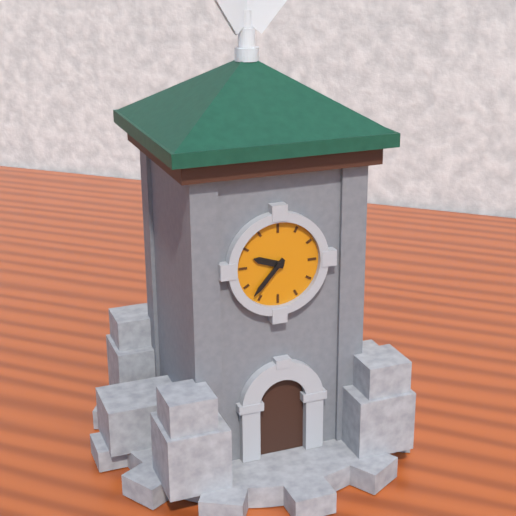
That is 9,37
